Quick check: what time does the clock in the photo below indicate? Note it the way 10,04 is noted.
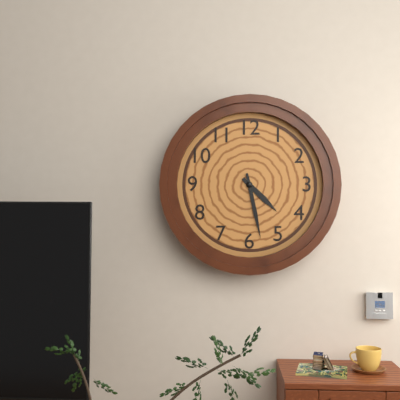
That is 4,28
